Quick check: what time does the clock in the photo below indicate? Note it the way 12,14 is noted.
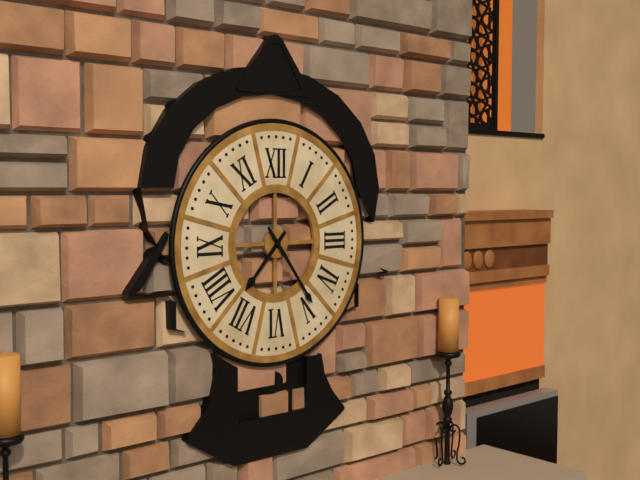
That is 7,24
